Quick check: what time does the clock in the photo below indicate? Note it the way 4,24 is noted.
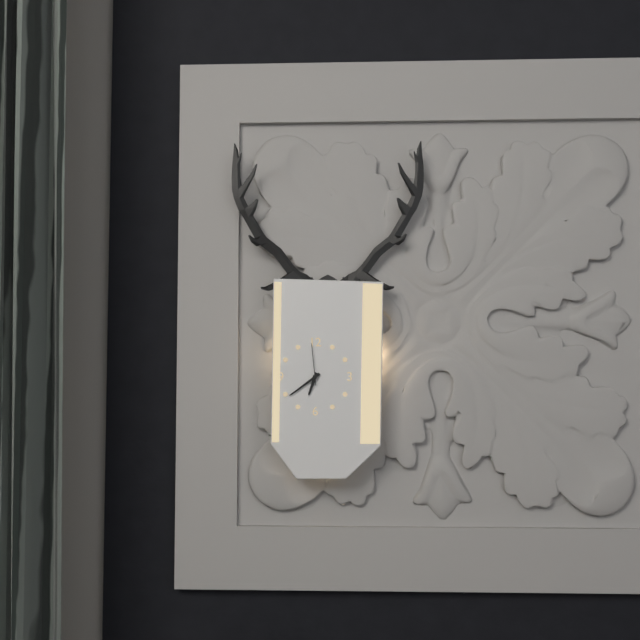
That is 6,39
